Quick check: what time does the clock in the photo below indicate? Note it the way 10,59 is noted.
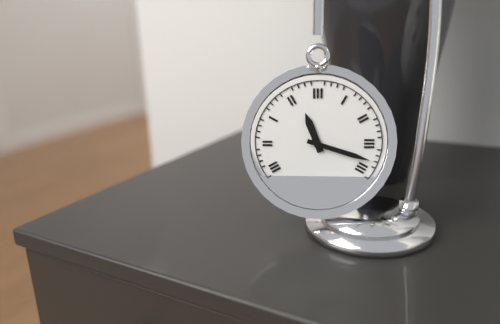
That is 11,18
